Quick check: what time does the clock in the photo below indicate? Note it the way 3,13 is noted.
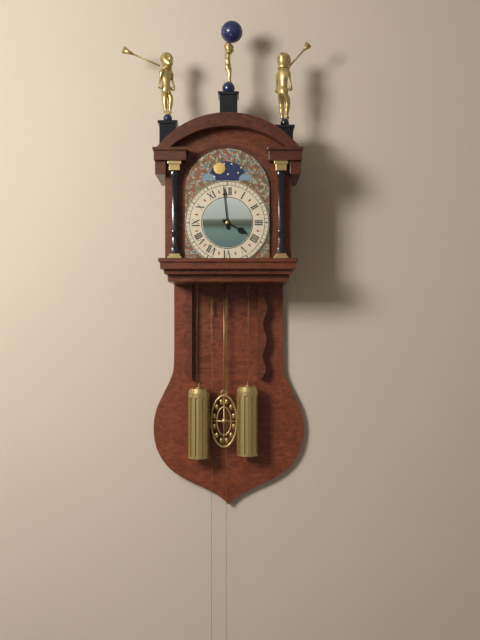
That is 3,59
